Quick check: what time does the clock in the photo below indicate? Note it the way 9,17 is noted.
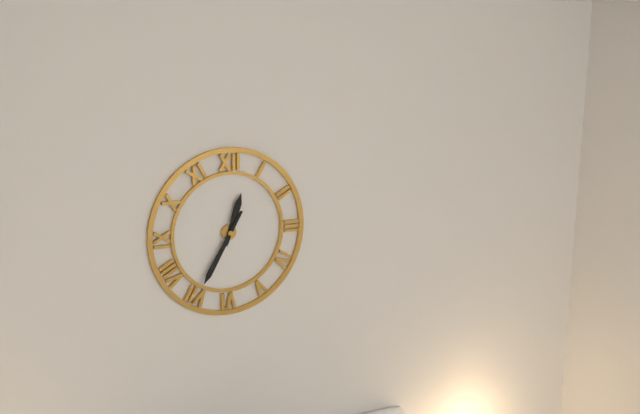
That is 12,35
